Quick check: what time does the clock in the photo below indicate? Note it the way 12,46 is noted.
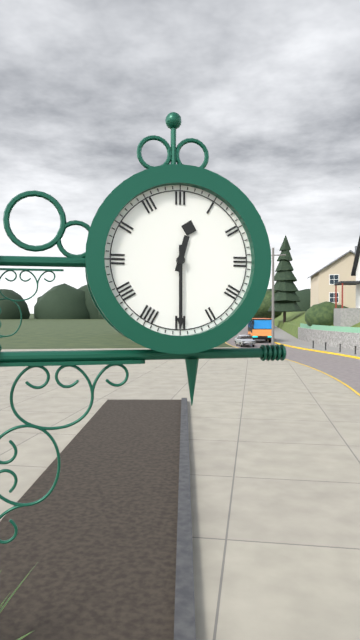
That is 12,30
